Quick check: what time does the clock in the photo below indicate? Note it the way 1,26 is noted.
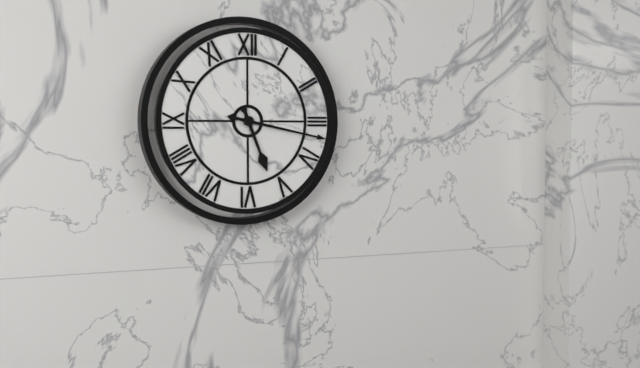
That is 5,17
